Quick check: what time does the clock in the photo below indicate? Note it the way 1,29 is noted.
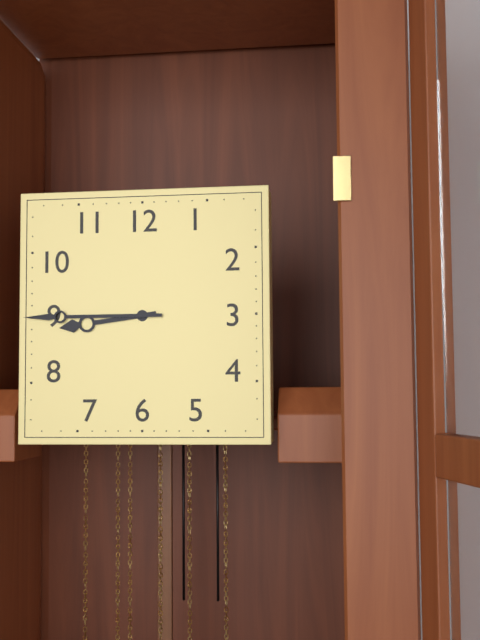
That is 8,45
